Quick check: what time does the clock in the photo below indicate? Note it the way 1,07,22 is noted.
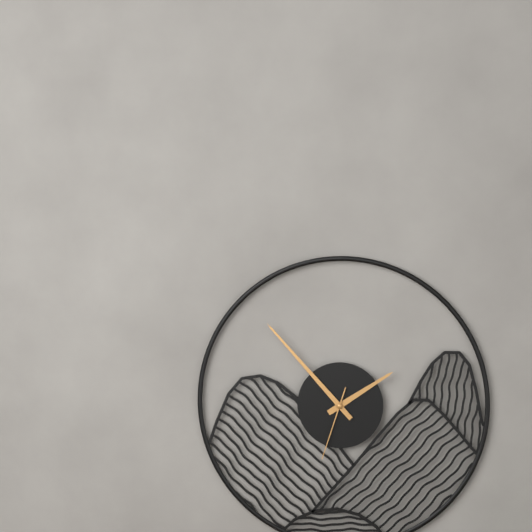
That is 1,53,33
